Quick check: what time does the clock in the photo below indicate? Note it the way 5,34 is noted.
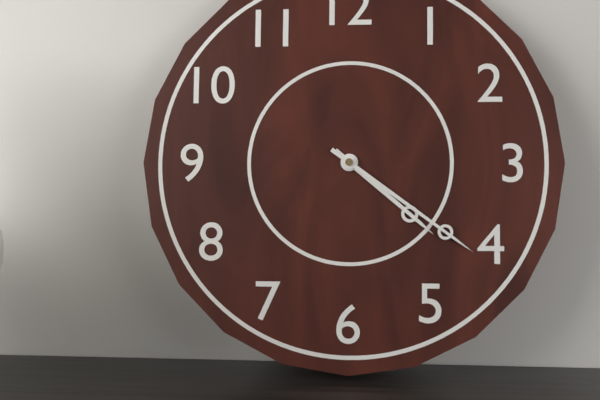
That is 4,21
